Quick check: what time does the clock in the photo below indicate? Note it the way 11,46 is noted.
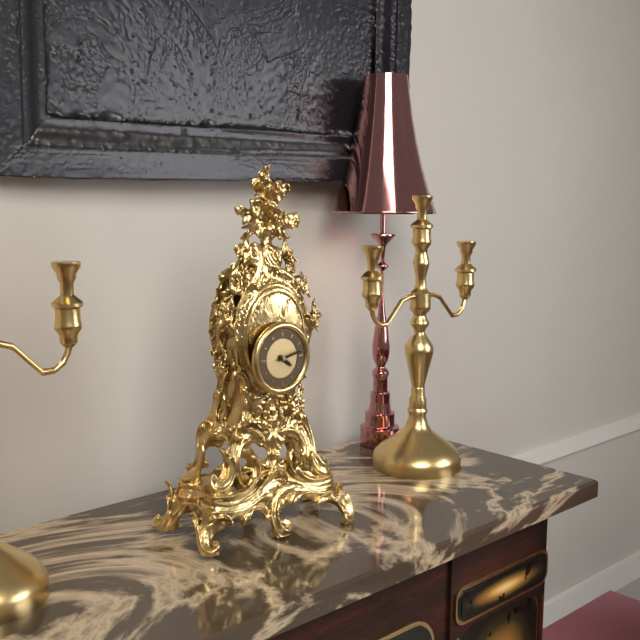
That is 4,13
